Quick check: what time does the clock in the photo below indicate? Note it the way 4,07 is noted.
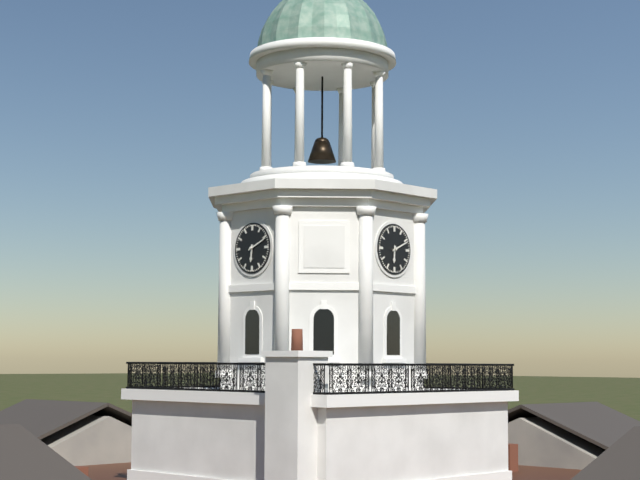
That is 6,11
